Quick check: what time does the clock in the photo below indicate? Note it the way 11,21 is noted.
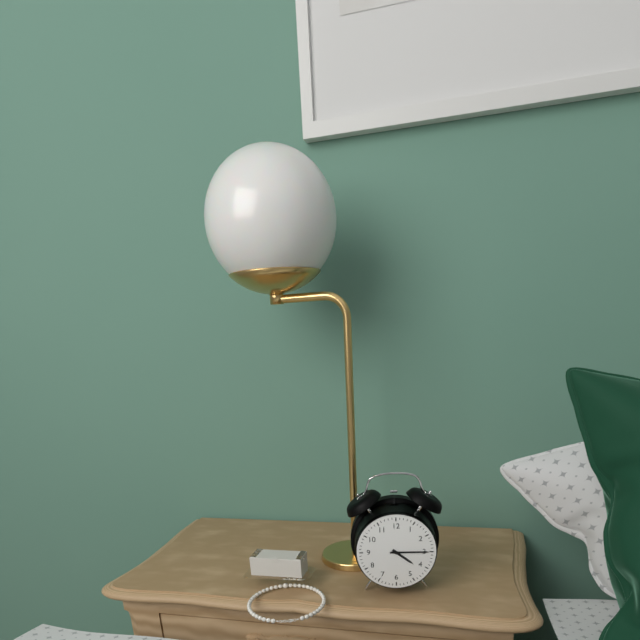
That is 4,15
